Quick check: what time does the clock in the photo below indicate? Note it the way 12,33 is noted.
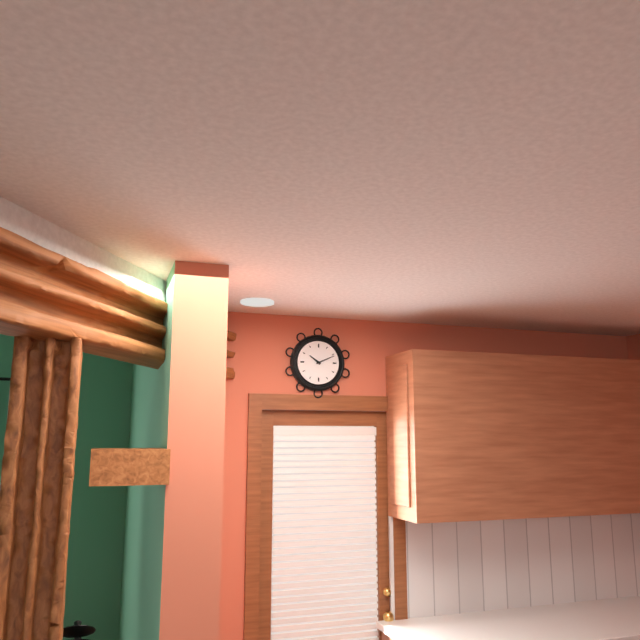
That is 10,11
